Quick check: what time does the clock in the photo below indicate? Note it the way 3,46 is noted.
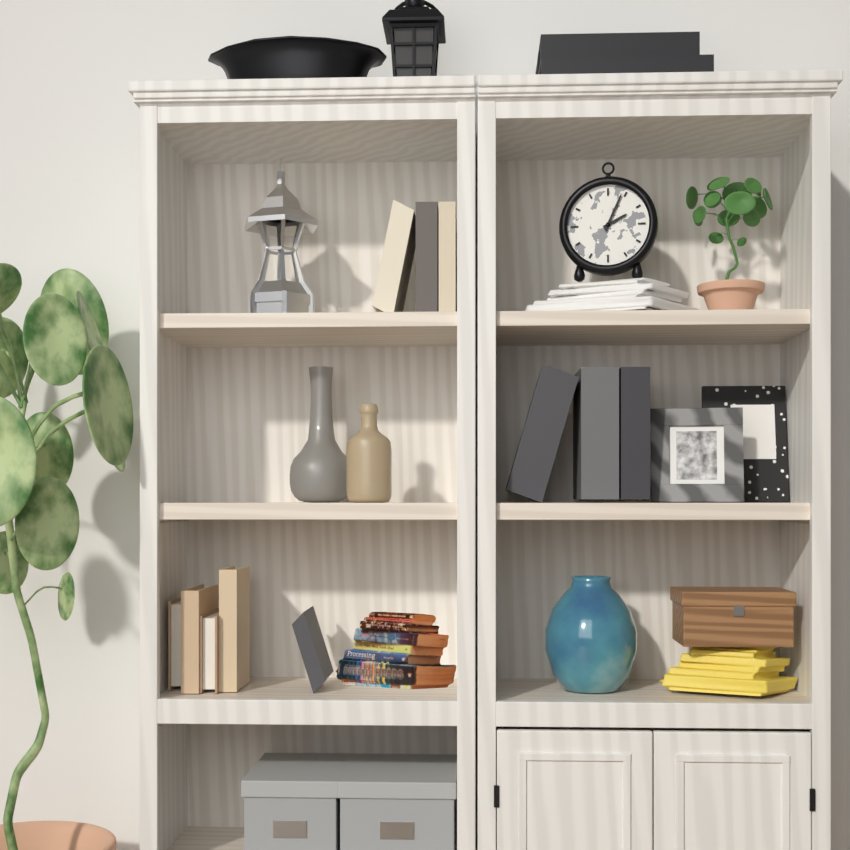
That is 2,04
